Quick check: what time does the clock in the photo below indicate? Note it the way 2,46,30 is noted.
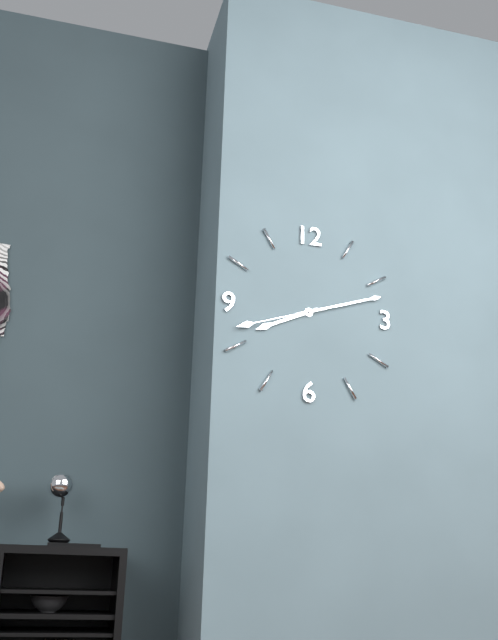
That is 8,12,42
